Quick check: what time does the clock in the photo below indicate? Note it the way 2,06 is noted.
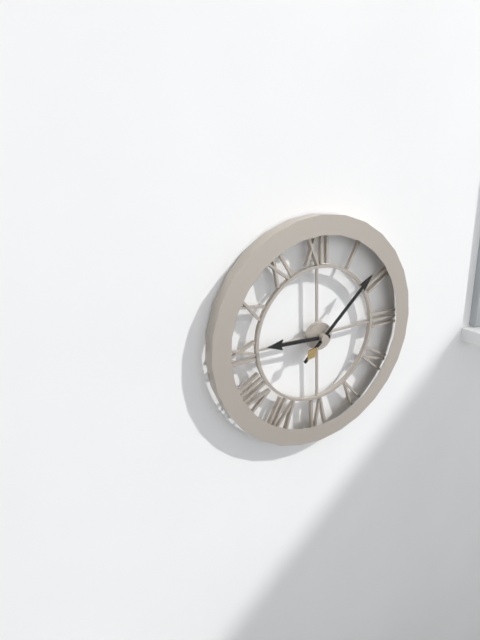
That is 9,08
